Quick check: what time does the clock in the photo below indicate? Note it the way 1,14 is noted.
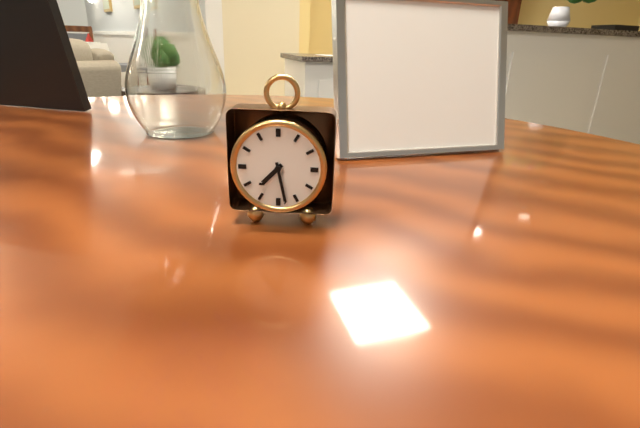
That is 7,28
